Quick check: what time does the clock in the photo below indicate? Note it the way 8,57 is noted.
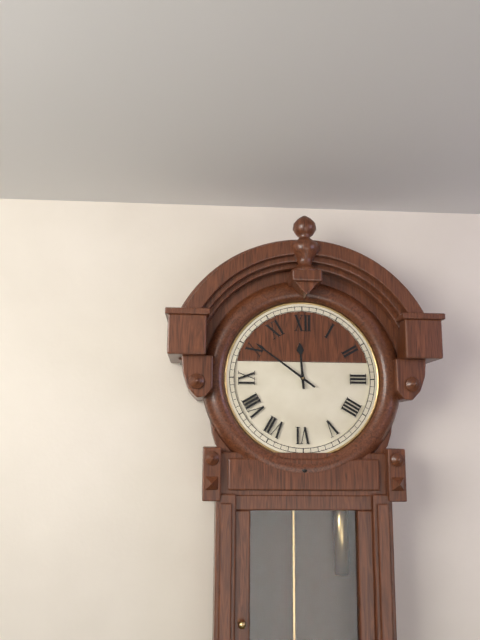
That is 11,51
